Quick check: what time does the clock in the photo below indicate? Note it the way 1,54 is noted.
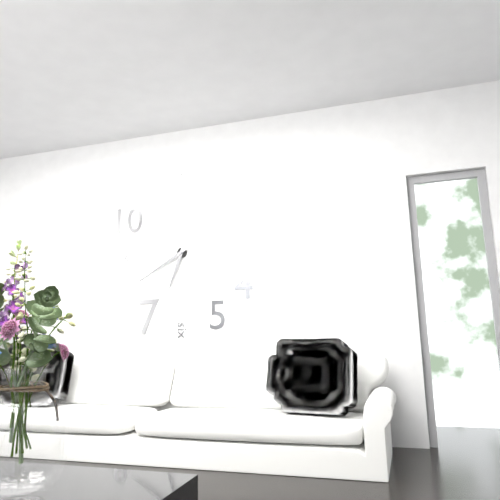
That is 6,40
